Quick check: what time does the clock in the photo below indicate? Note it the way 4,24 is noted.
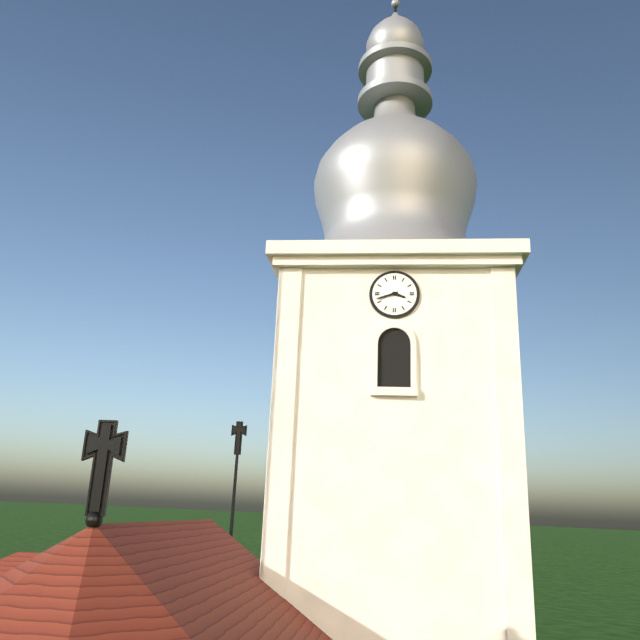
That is 3,42
